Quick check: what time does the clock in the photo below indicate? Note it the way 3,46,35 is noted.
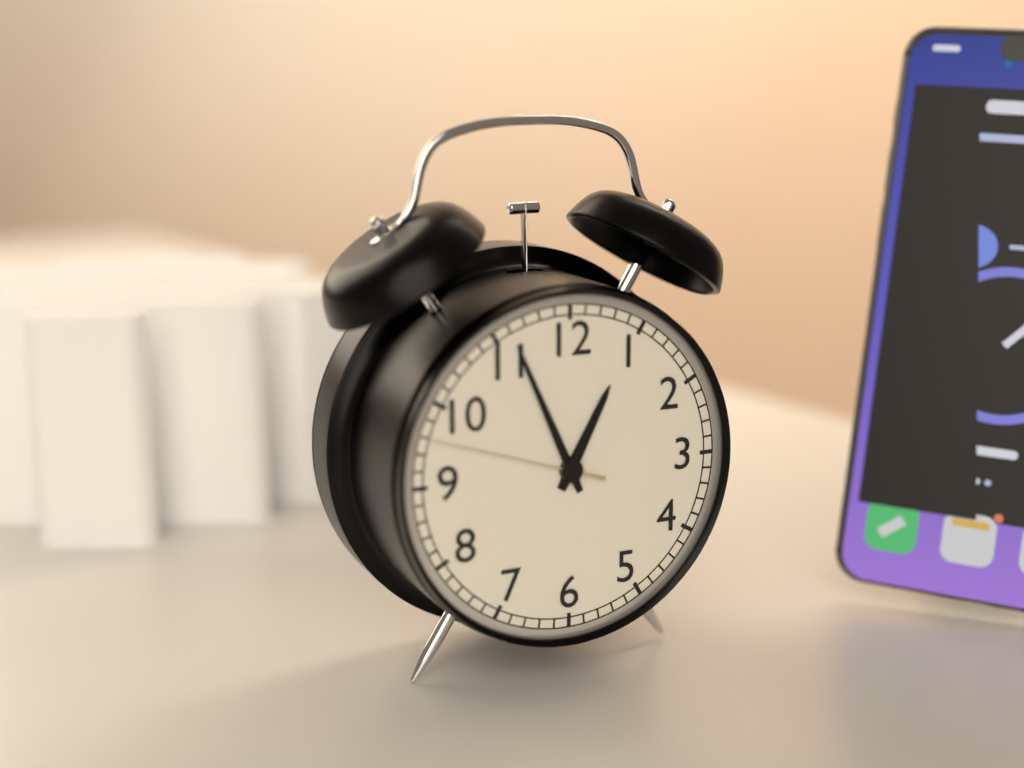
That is 12,56,48
